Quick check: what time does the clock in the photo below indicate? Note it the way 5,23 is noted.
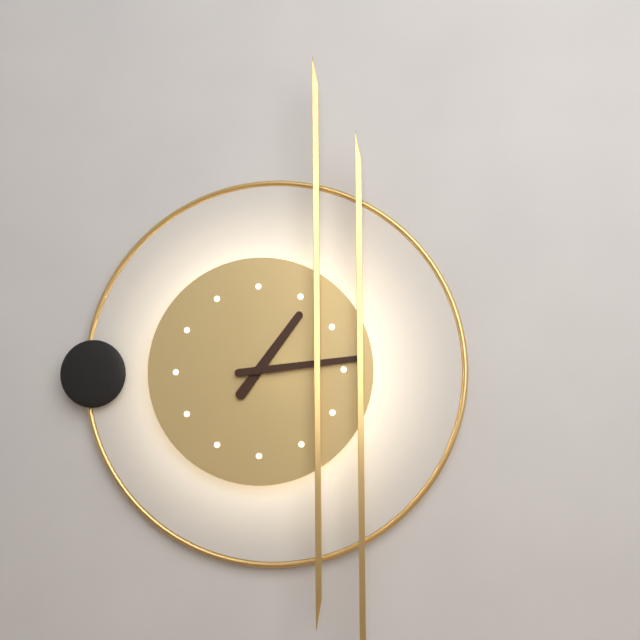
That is 1,14
